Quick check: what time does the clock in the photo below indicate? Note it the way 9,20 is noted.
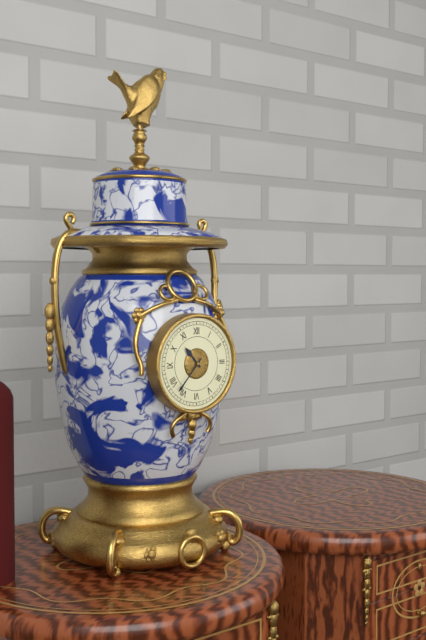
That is 10,37
